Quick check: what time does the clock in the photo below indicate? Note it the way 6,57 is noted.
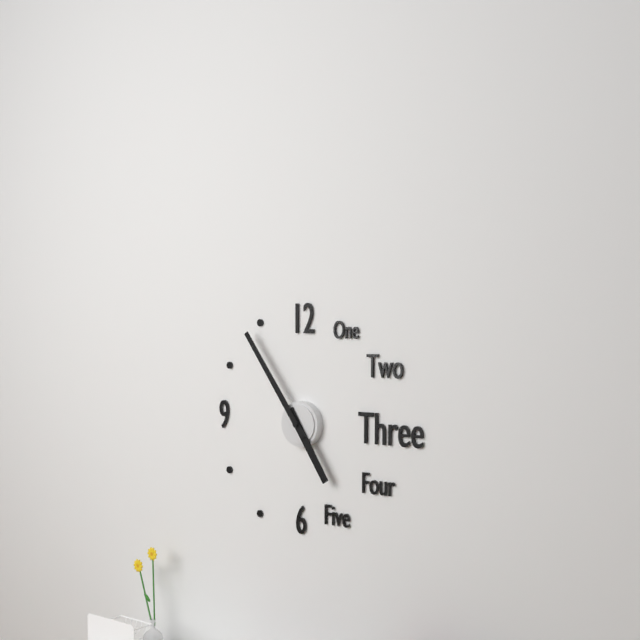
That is 4,54
